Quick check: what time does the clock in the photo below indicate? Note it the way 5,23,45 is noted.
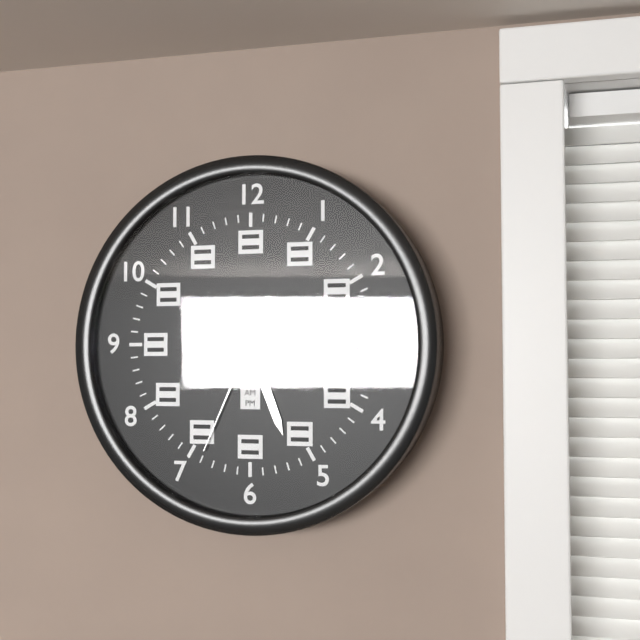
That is 5,18,34
